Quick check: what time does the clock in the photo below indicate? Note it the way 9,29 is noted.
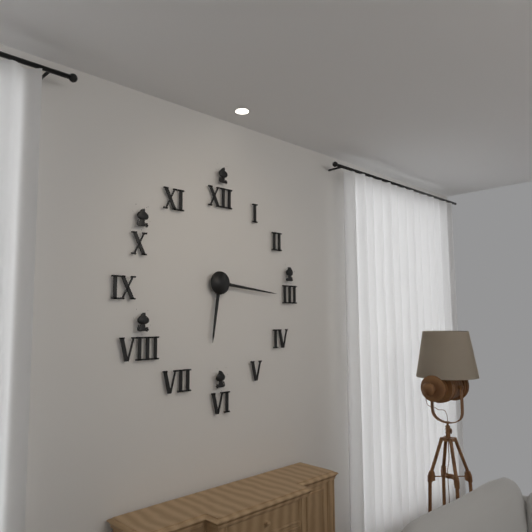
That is 6,16
